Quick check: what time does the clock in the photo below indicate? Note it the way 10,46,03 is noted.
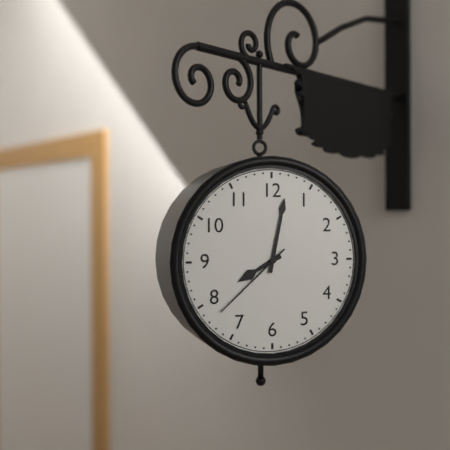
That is 8,02,38
